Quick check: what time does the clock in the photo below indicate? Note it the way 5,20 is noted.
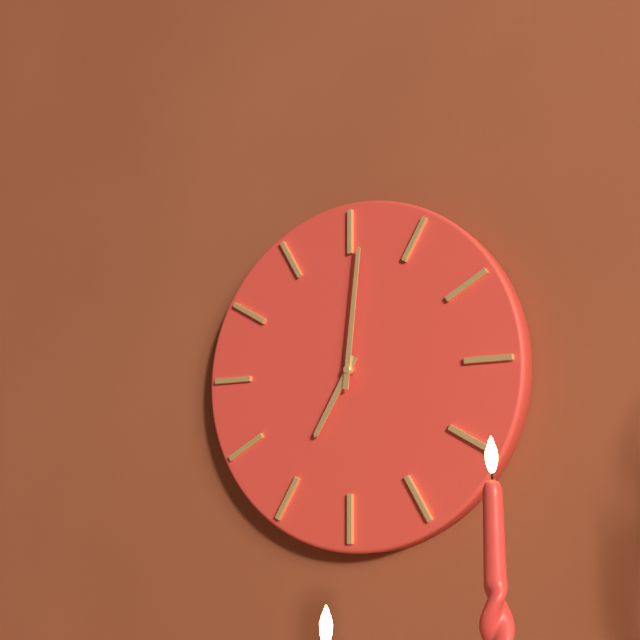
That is 7,01
